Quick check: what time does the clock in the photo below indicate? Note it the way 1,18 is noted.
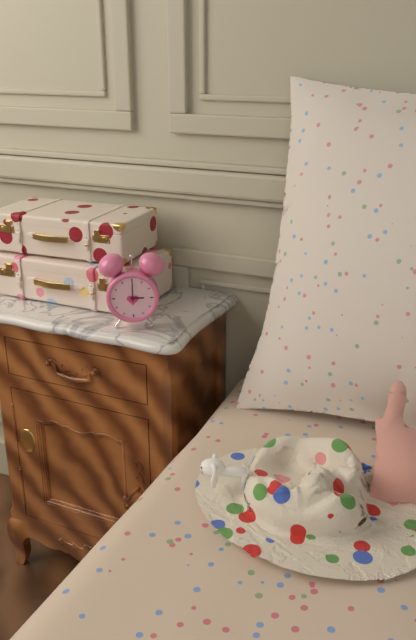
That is 3,00
